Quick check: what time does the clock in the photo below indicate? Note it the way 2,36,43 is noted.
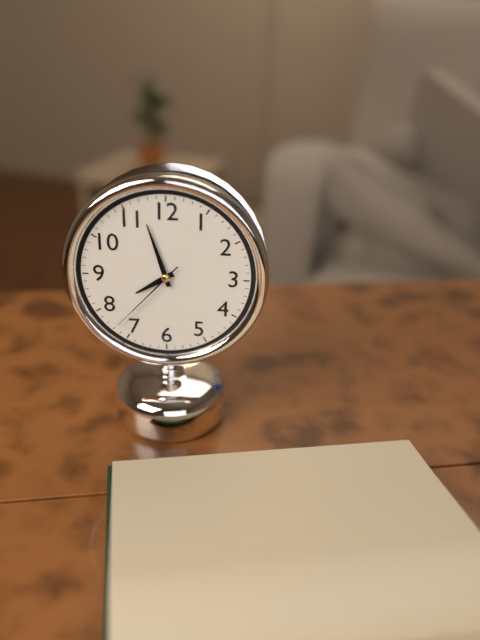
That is 7,57,37
